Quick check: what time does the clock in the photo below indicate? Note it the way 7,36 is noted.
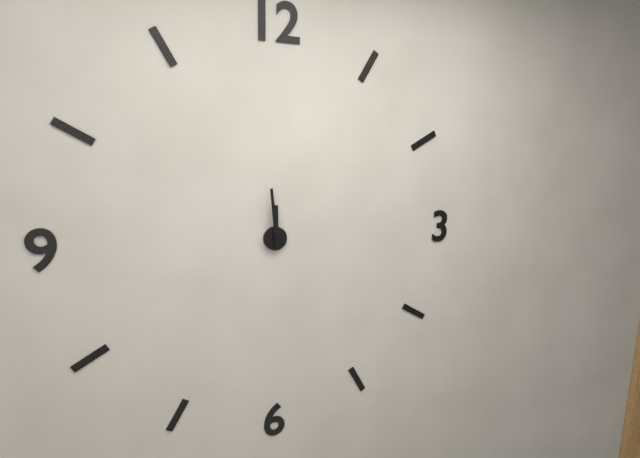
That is 11,59
